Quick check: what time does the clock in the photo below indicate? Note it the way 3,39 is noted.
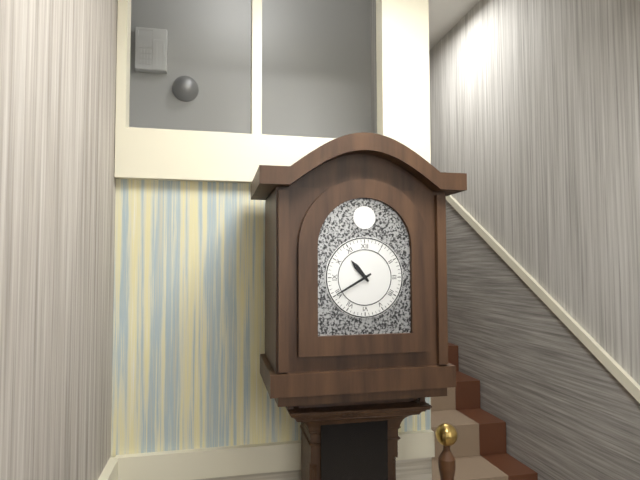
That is 10,40
